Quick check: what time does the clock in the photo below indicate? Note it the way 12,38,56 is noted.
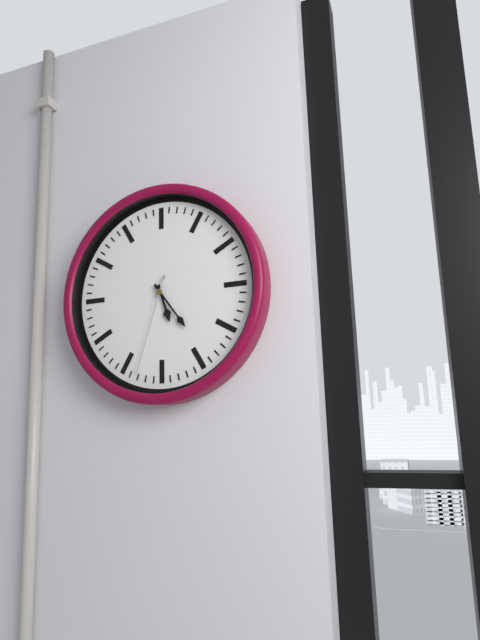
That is 5,24,33
